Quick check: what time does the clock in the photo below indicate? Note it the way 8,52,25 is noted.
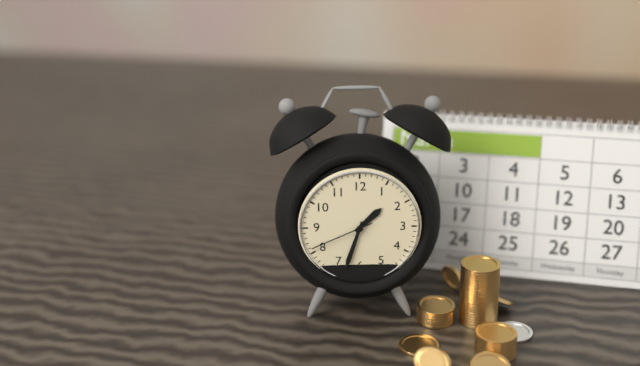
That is 1,33,41
